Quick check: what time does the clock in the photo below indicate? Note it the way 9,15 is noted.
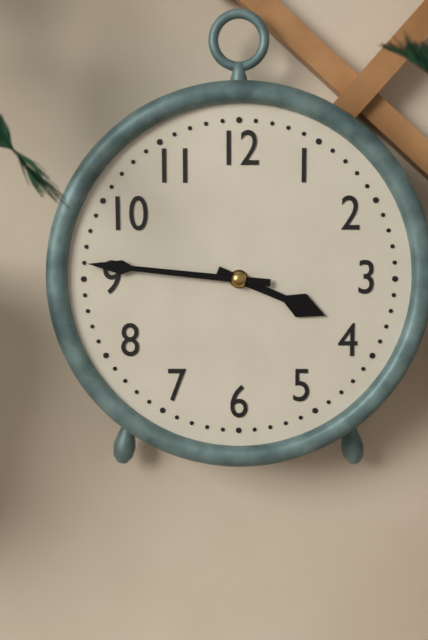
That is 3,46
